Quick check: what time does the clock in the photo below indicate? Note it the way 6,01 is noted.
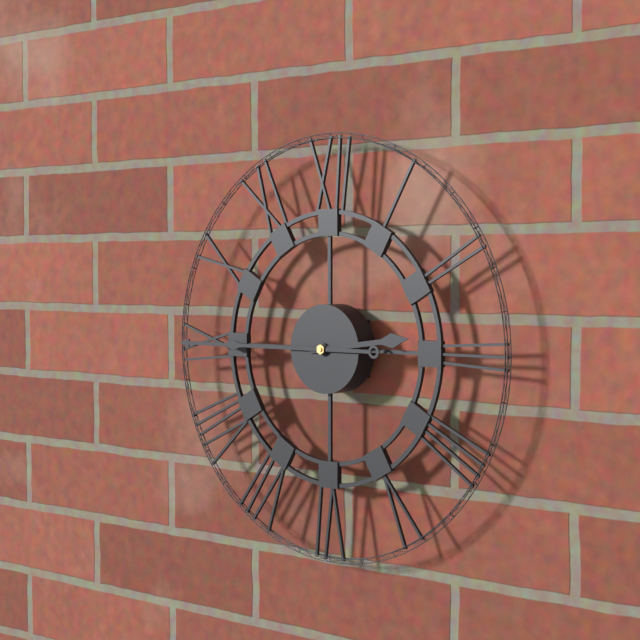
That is 2,45
